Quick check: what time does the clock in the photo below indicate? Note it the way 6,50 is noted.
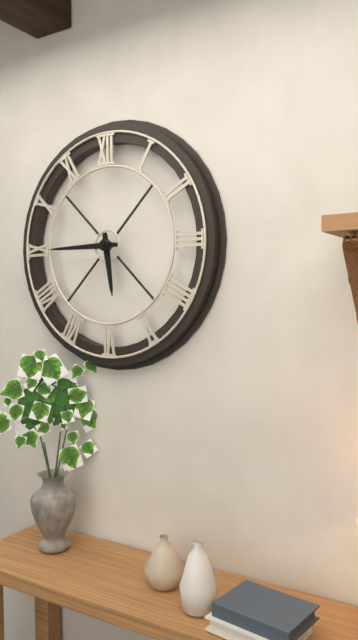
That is 5,45
